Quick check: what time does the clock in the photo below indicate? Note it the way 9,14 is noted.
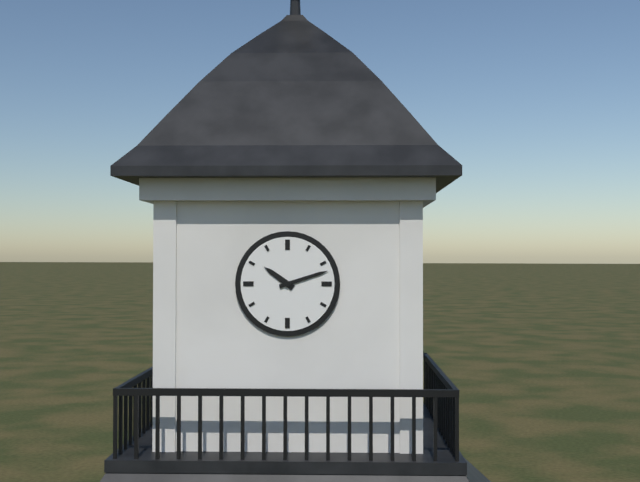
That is 10,12
